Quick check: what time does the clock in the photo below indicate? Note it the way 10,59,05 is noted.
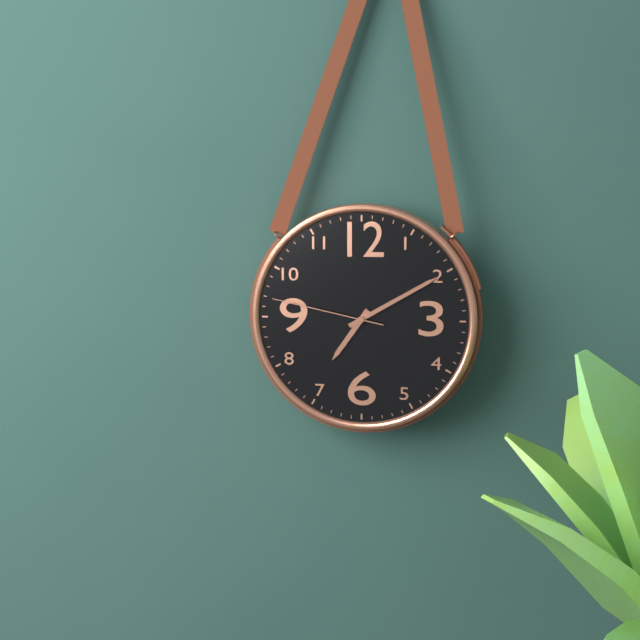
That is 7,10,47
